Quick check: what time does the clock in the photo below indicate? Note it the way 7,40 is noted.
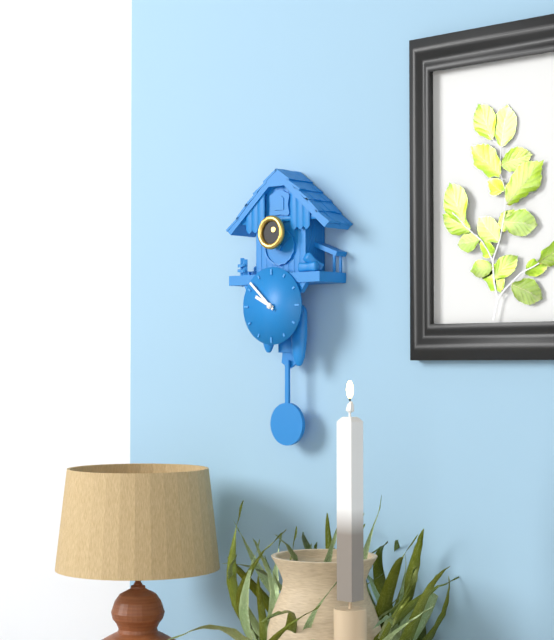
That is 9,52
